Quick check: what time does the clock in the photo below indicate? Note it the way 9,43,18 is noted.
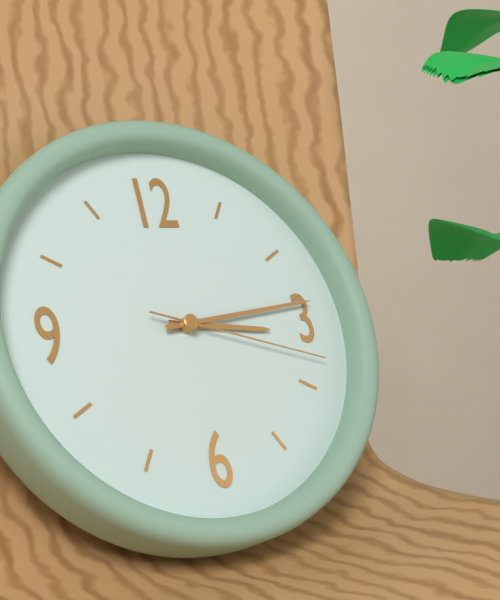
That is 3,14,18
